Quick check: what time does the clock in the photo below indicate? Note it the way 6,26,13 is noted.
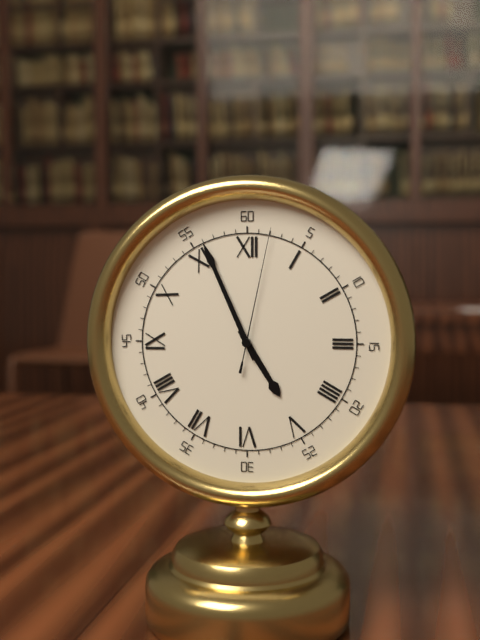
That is 4,56,02
